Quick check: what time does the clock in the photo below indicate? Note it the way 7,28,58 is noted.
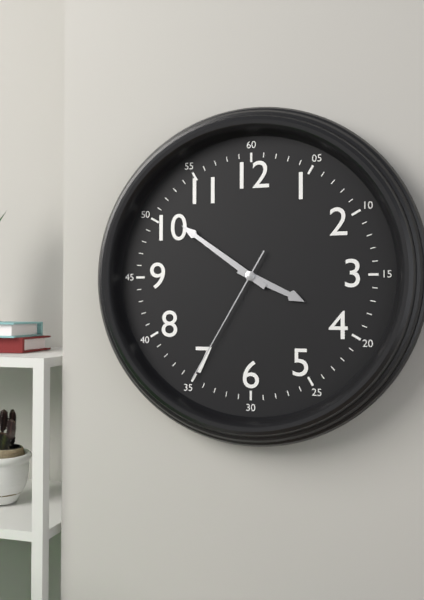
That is 3,51,35
